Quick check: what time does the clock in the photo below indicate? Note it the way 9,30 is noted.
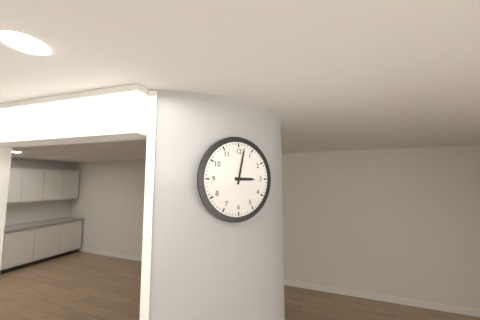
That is 3,02
